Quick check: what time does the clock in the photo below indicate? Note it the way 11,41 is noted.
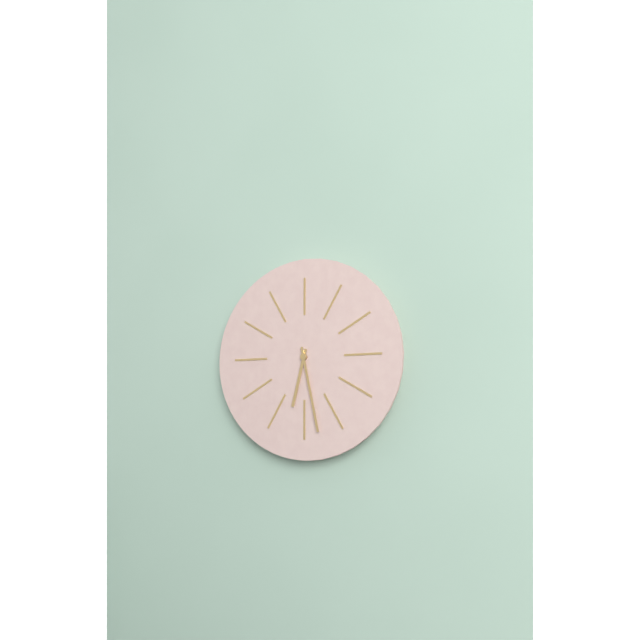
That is 6,28
